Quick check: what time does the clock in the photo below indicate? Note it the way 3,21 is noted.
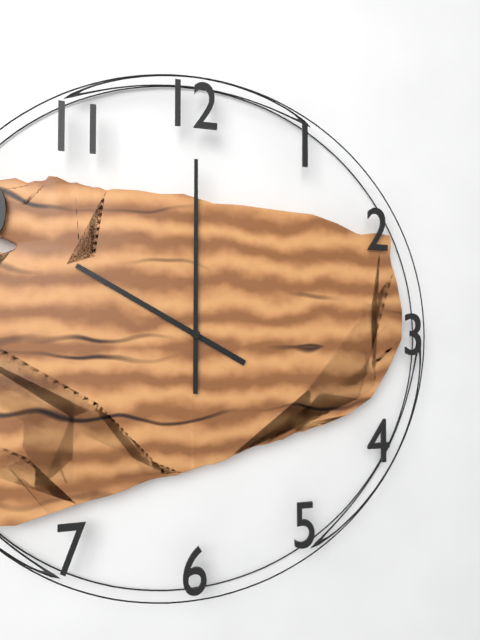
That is 10,00
